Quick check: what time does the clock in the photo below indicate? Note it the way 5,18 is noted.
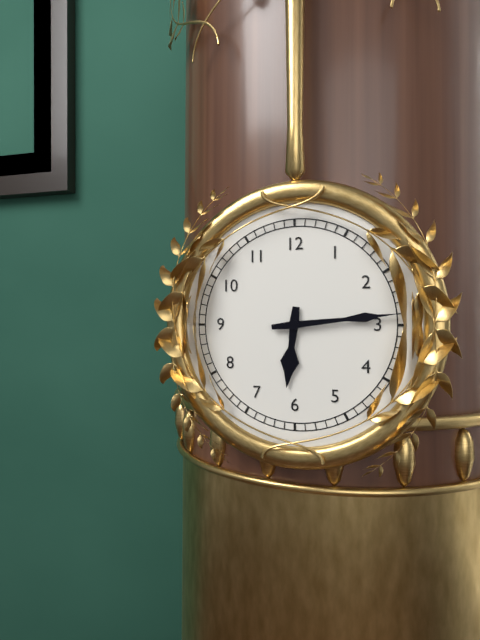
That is 6,14
